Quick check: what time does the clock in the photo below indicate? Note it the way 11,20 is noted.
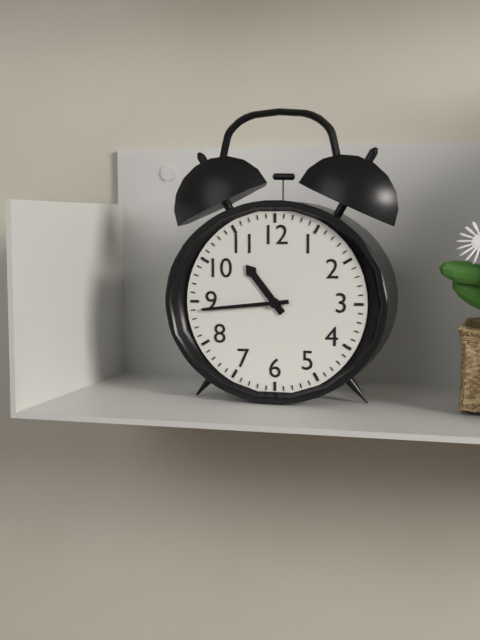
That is 10,44
